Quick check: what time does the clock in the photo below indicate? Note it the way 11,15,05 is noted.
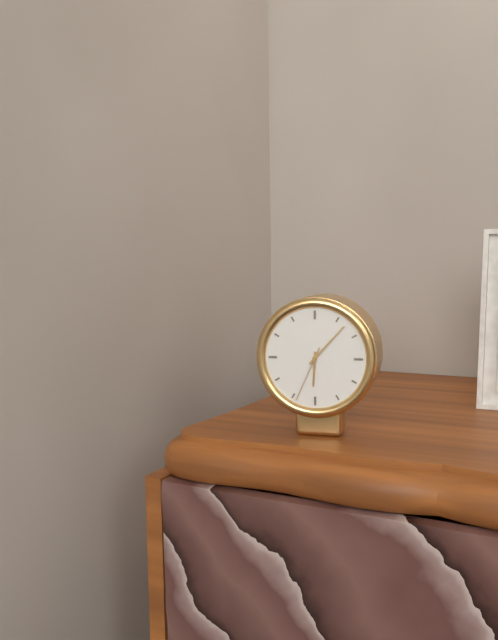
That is 6,07,34
